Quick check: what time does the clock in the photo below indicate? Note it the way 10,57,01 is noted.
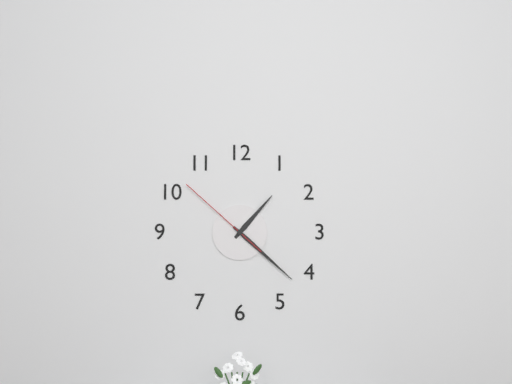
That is 1,22,52
